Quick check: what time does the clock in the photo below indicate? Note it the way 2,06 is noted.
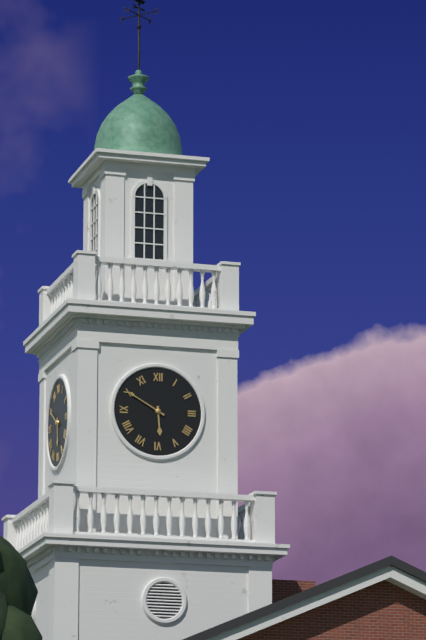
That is 5,50
